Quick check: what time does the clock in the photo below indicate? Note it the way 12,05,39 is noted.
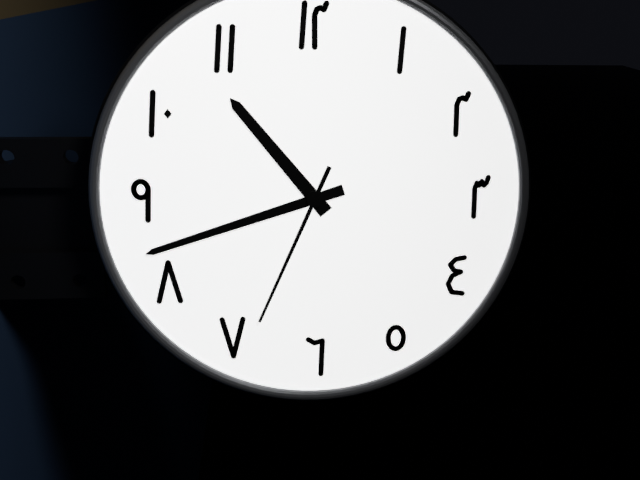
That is 10,42,34
